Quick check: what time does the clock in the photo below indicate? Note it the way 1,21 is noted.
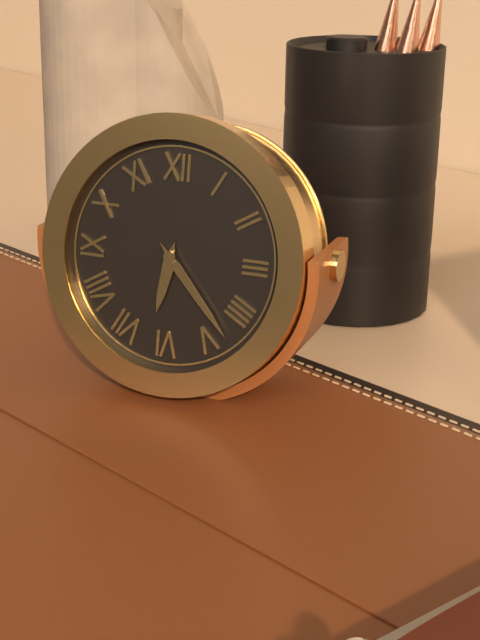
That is 6,23
